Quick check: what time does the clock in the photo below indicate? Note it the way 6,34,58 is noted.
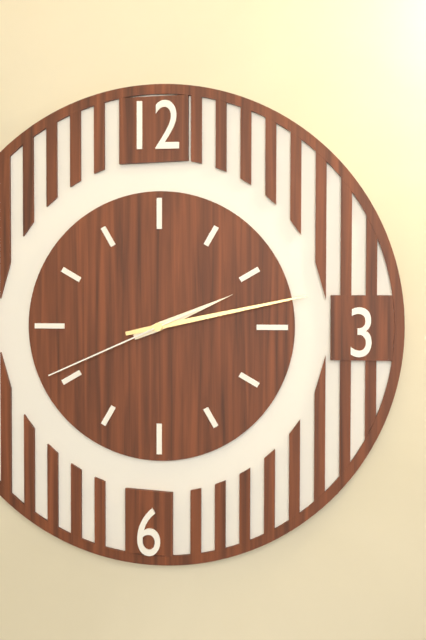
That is 2,13,41
